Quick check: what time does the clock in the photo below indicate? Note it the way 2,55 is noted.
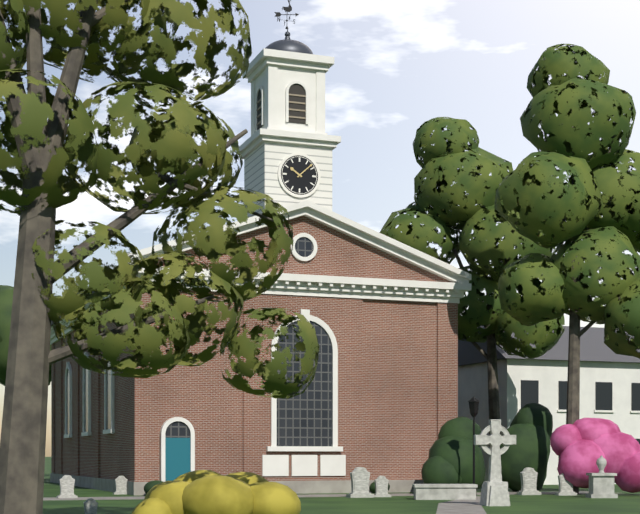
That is 10,08
